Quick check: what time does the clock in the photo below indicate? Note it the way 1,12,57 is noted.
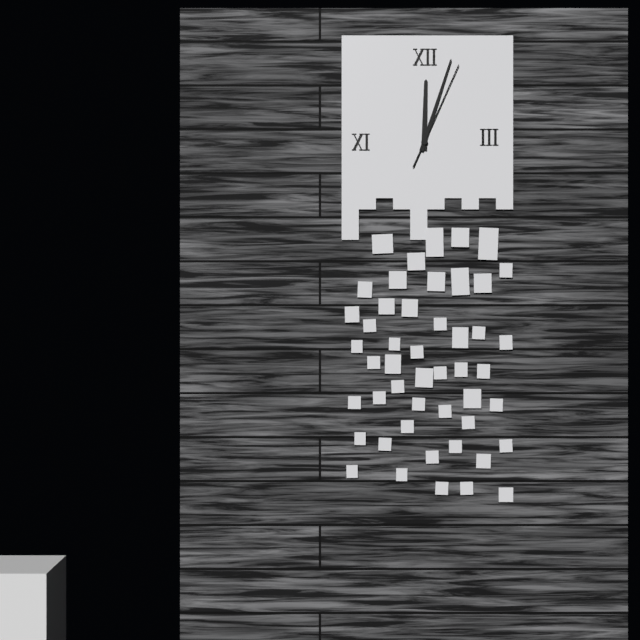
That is 12,03,04
